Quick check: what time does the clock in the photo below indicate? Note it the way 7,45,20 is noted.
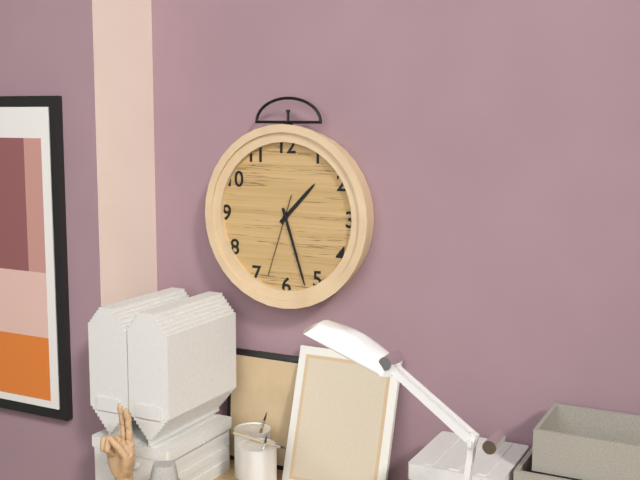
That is 1,27,33
